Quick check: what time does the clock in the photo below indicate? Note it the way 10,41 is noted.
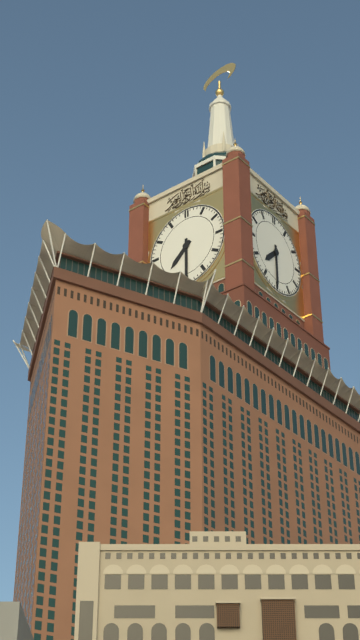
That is 7,30
